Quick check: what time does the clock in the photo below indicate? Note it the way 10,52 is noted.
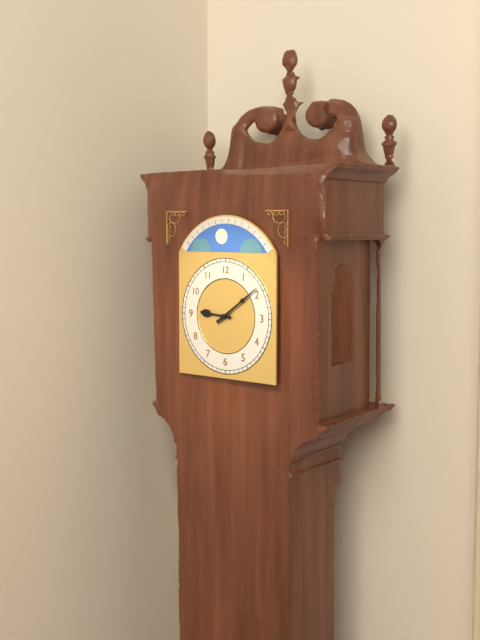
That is 9,09
